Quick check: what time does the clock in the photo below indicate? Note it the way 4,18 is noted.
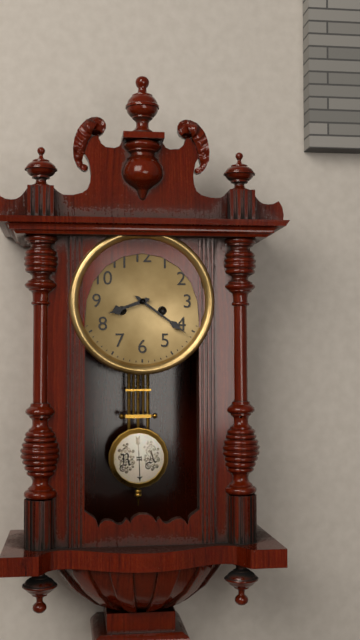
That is 8,21
